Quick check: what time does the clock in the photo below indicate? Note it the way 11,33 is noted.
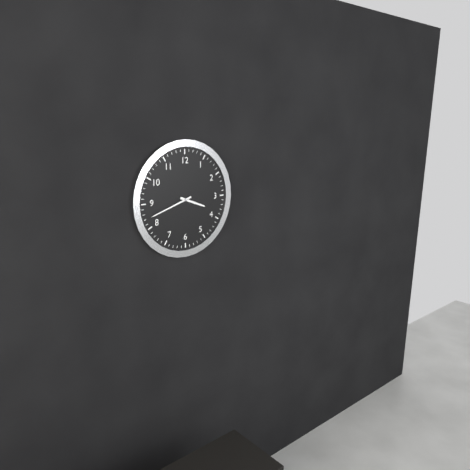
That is 3,42
